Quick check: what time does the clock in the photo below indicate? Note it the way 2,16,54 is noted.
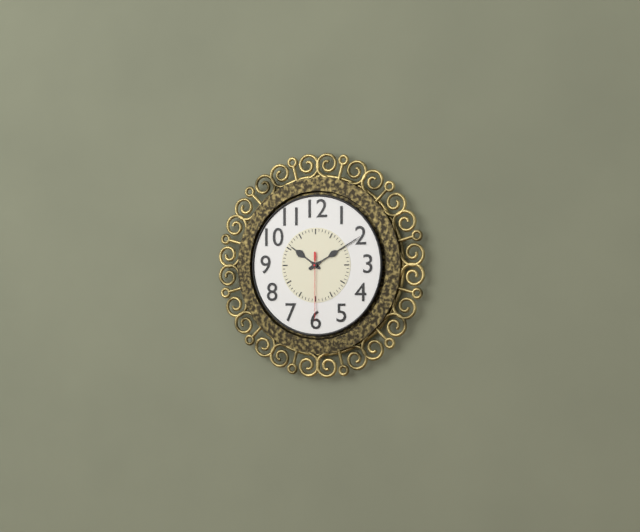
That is 10,10,30
